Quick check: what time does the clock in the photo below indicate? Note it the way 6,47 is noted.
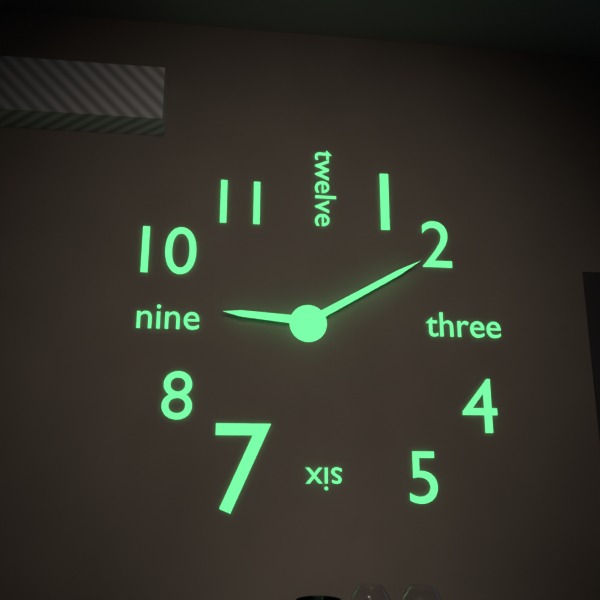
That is 9,10
